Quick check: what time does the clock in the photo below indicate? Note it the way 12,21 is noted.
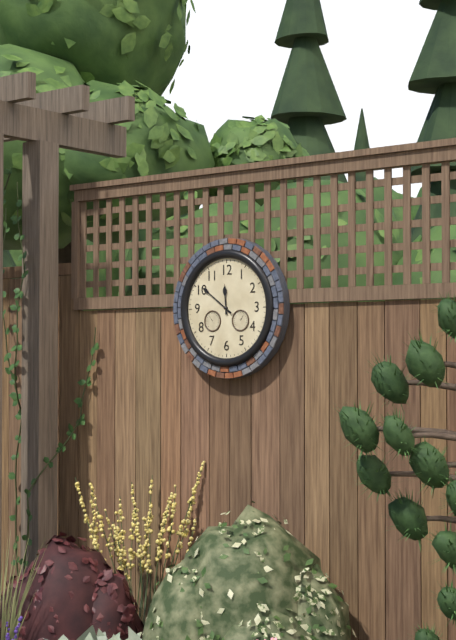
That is 11,51
